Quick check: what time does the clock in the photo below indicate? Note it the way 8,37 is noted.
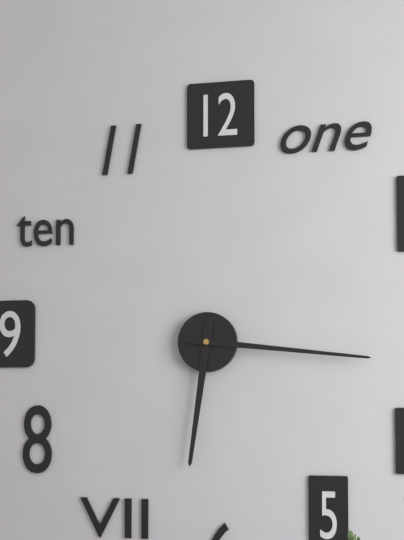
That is 6,16
